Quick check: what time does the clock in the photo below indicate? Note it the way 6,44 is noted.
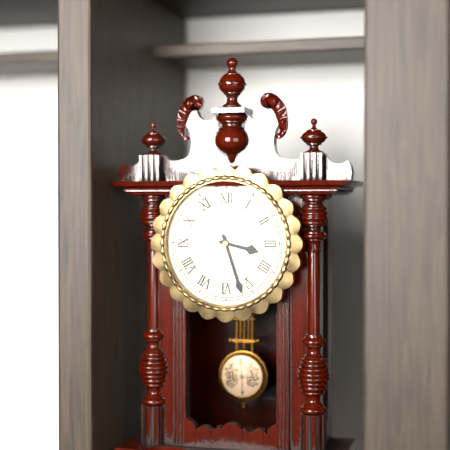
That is 3,27
